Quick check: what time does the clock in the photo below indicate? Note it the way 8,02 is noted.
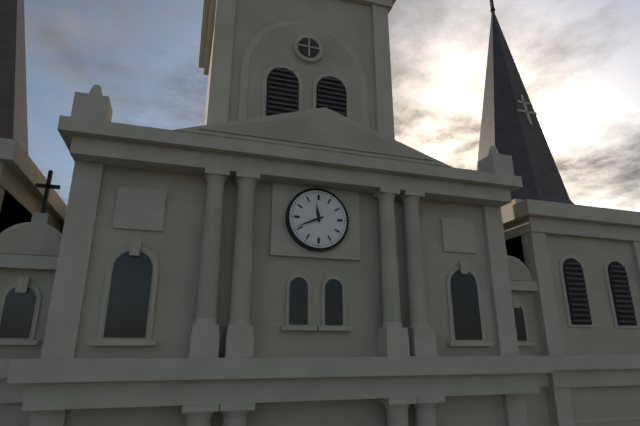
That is 11,41
